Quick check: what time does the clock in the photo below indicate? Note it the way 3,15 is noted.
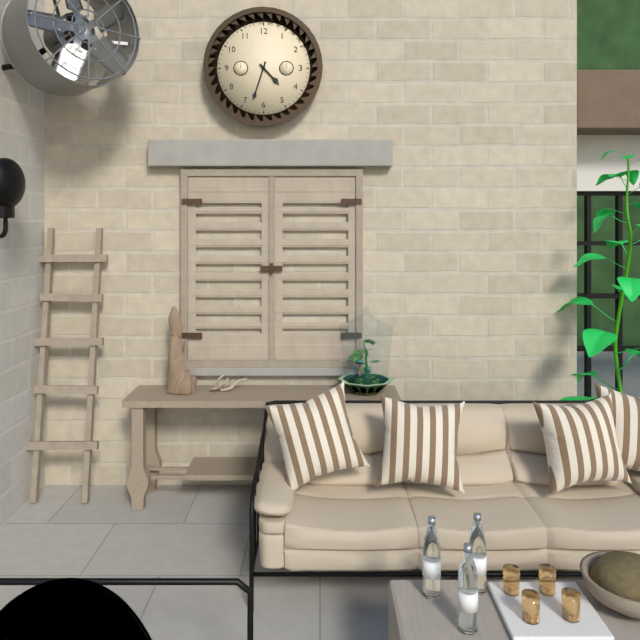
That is 4,33
